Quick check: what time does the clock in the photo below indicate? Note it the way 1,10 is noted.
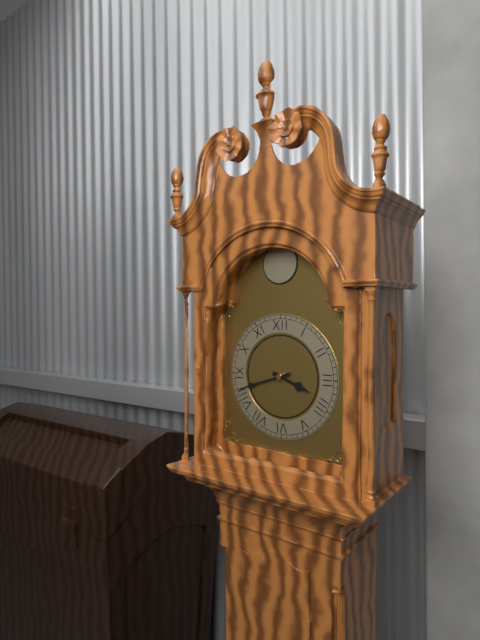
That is 3,42
